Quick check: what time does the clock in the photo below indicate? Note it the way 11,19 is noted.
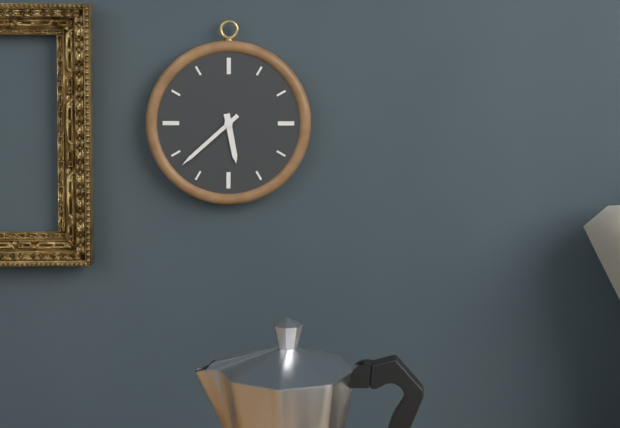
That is 5,38
